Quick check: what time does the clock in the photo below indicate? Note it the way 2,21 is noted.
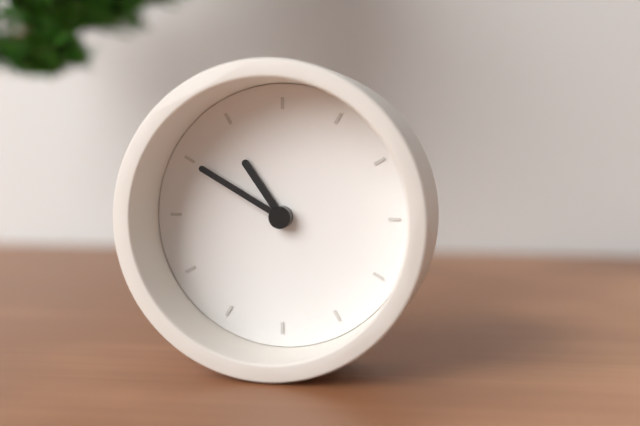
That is 10,50
